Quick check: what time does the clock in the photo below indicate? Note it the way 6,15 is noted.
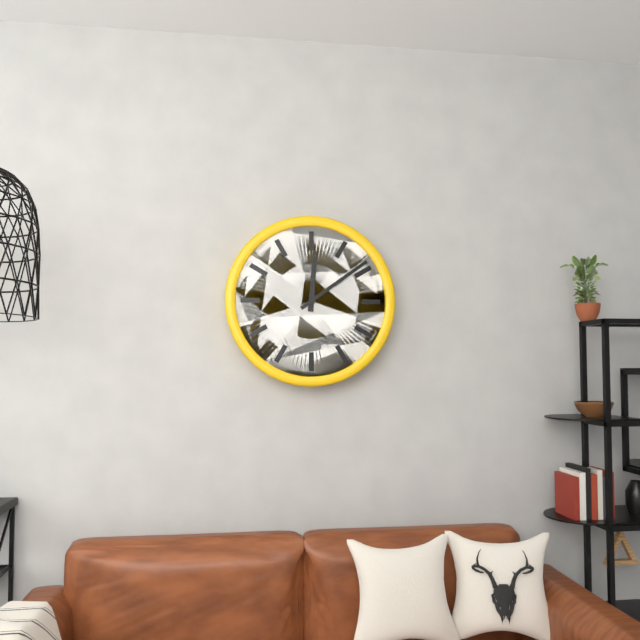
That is 12,09
